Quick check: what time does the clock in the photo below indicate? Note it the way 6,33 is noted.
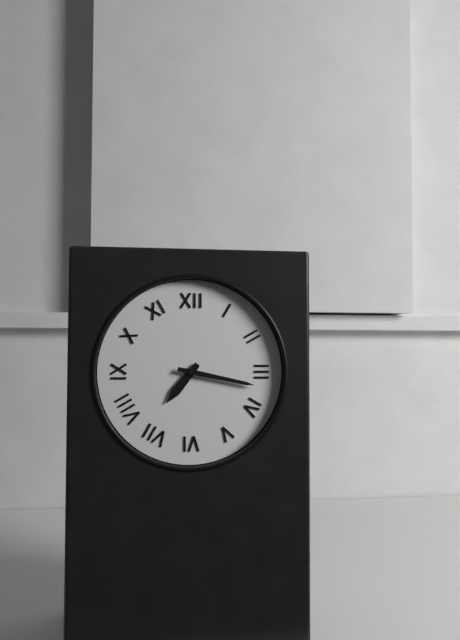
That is 7,17
